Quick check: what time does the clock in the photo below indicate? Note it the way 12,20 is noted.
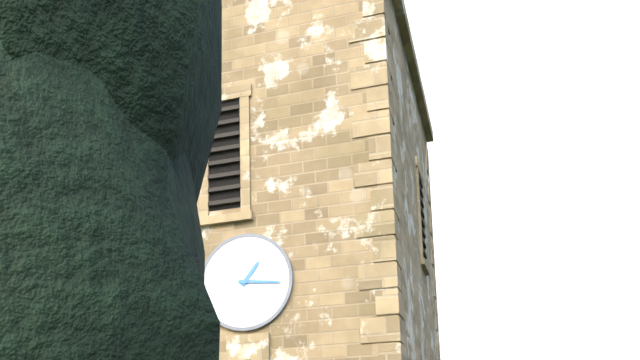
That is 1,16
